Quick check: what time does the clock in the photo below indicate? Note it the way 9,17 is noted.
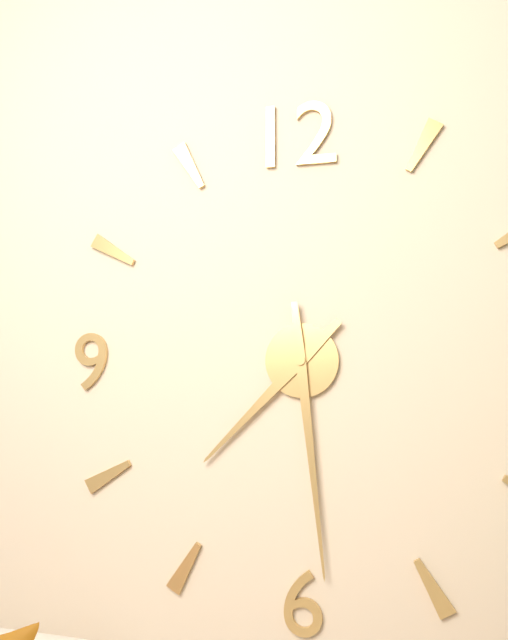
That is 7,29
